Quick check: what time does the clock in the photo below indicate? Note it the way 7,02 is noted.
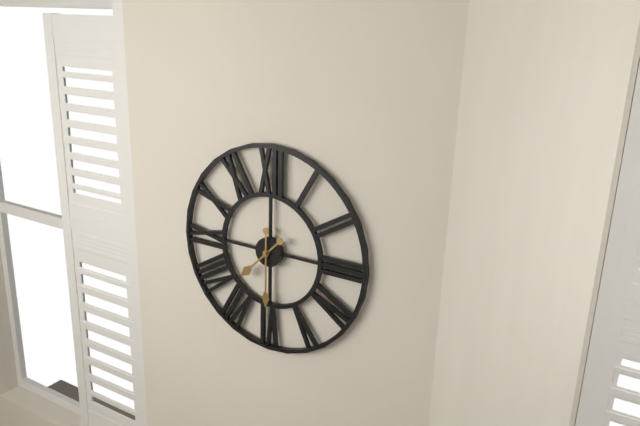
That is 7,30
